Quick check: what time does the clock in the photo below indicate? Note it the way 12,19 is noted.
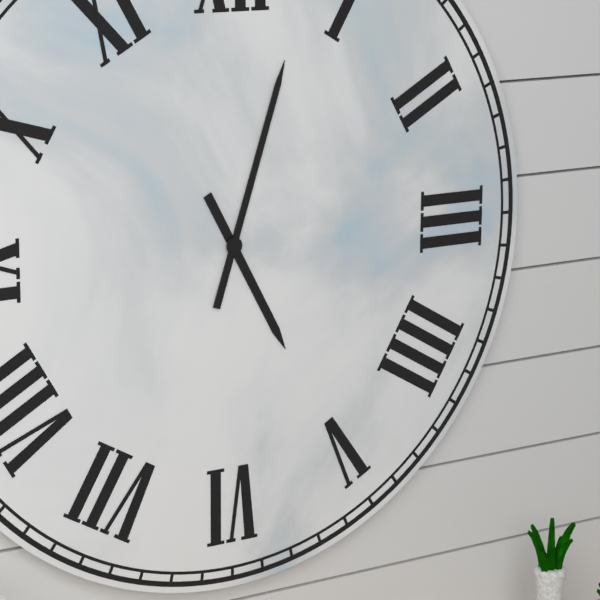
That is 5,03
